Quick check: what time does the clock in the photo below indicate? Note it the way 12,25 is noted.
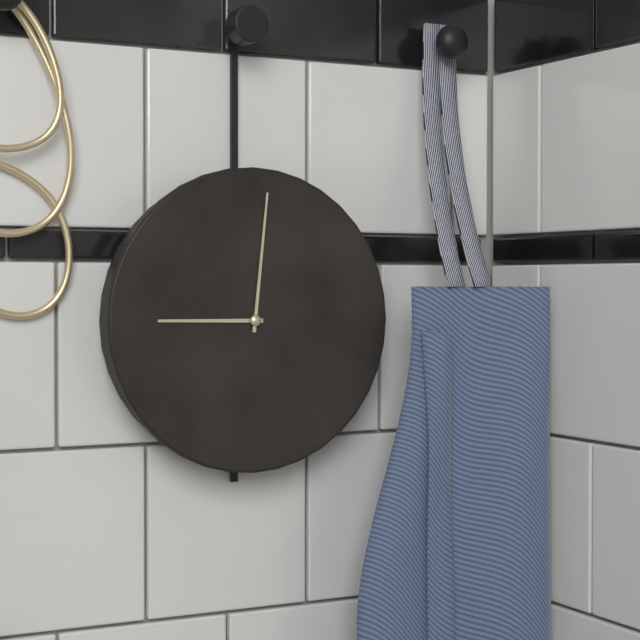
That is 9,01
